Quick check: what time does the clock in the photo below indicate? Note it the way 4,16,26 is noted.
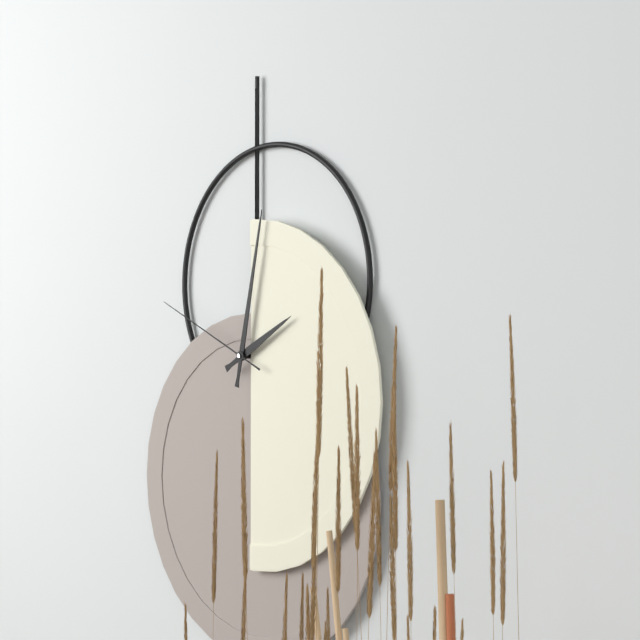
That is 2,02,49
